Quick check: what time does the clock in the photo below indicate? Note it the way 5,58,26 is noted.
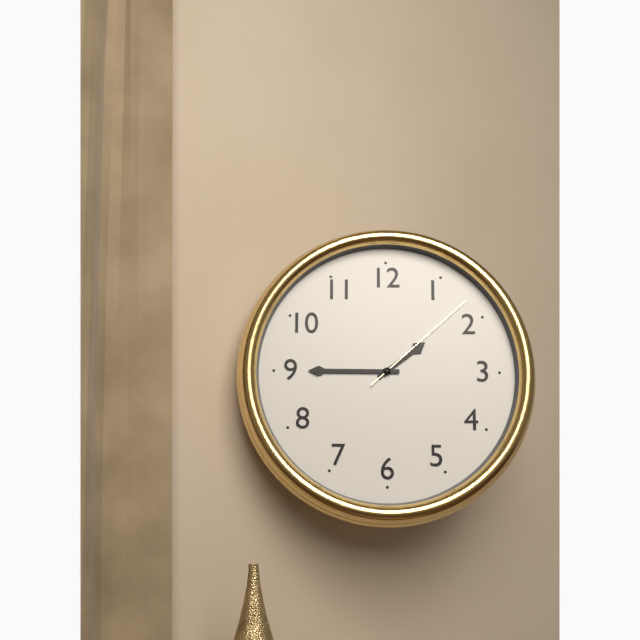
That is 1,45,08
